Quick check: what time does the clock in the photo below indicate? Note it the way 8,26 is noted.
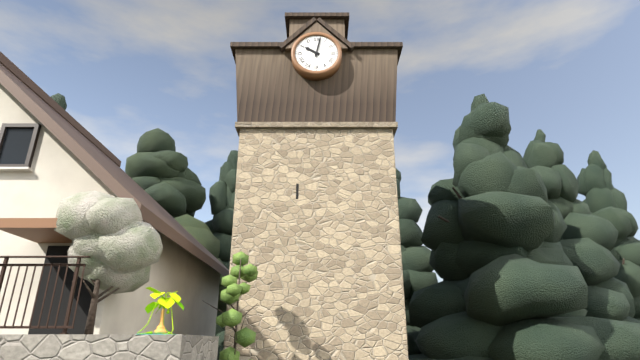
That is 10,02
